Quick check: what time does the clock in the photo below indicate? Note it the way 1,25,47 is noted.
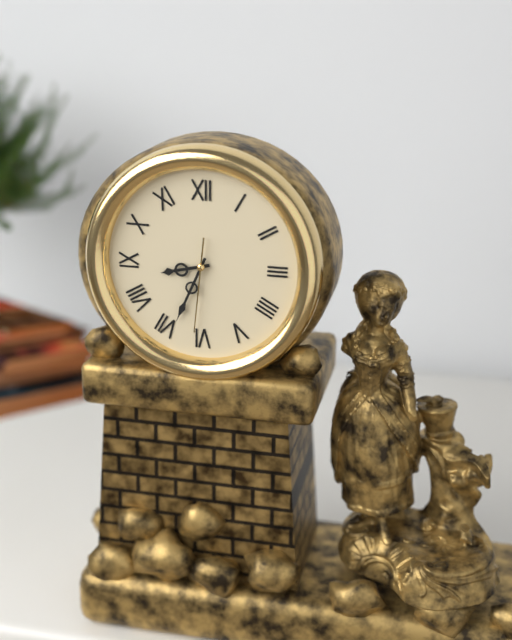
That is 8,34,31
